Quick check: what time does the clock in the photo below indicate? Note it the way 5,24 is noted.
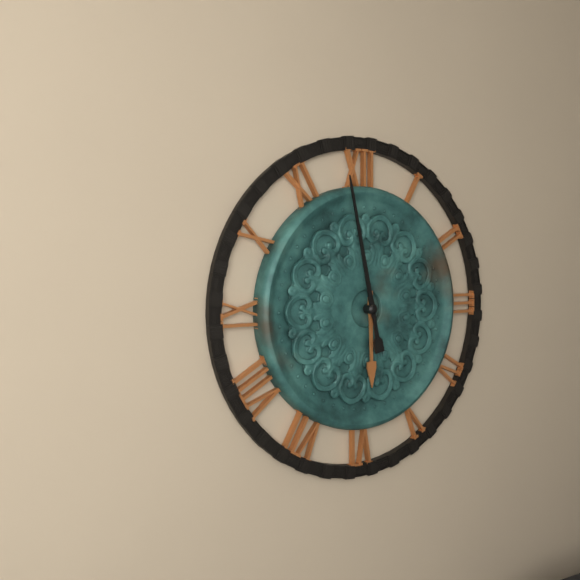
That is 5,58
